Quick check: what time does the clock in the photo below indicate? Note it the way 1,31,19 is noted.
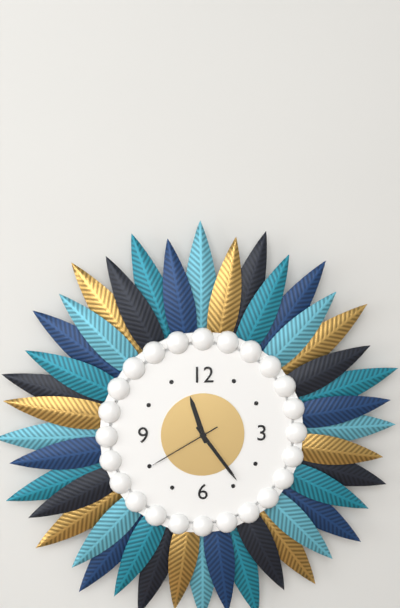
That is 11,24,40
